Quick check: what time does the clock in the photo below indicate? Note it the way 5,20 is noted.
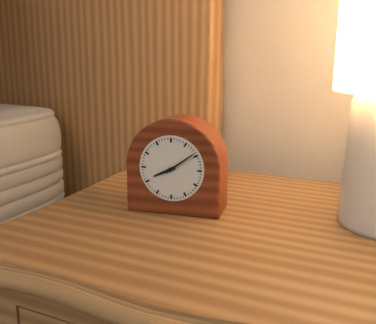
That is 8,09
